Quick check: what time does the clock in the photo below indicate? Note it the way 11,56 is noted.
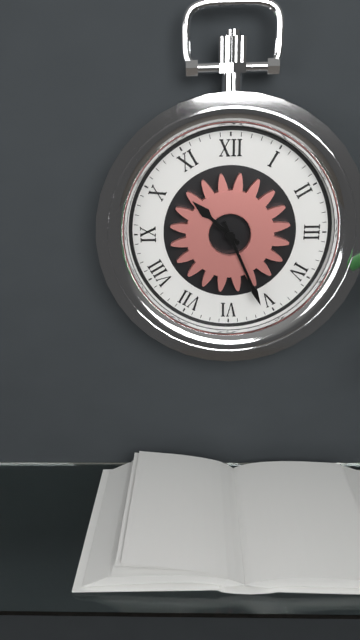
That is 10,26
